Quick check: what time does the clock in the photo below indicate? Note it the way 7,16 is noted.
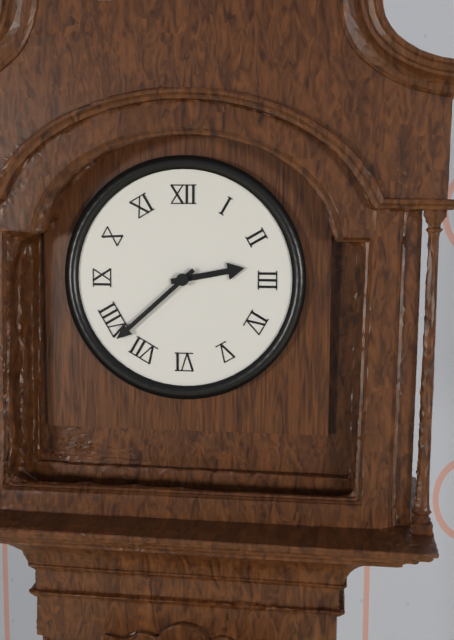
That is 2,38
